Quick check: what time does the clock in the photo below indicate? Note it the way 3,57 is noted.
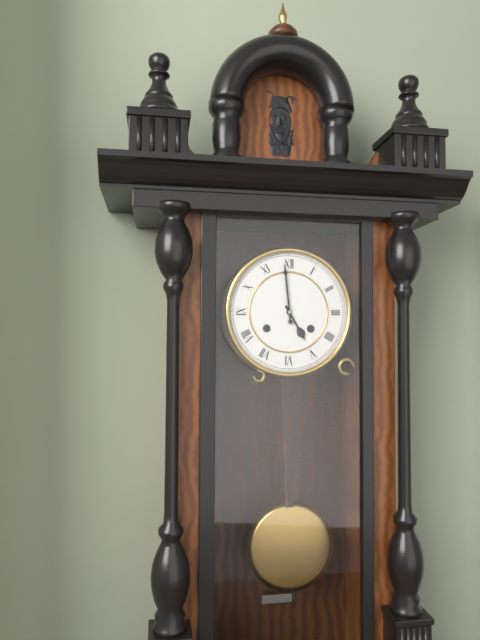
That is 4,59
